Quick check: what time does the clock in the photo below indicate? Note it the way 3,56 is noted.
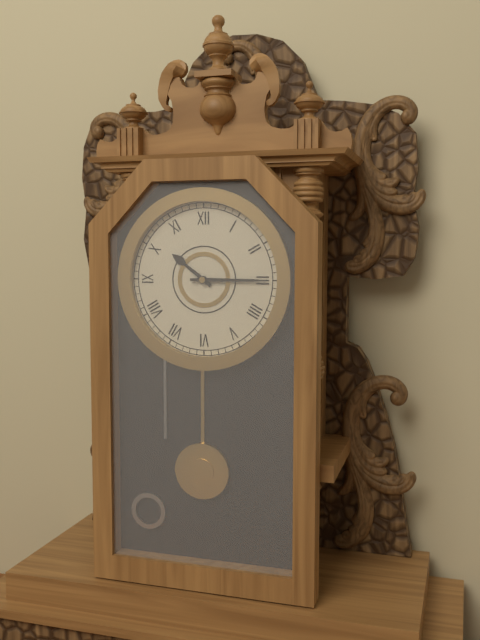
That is 10,15
